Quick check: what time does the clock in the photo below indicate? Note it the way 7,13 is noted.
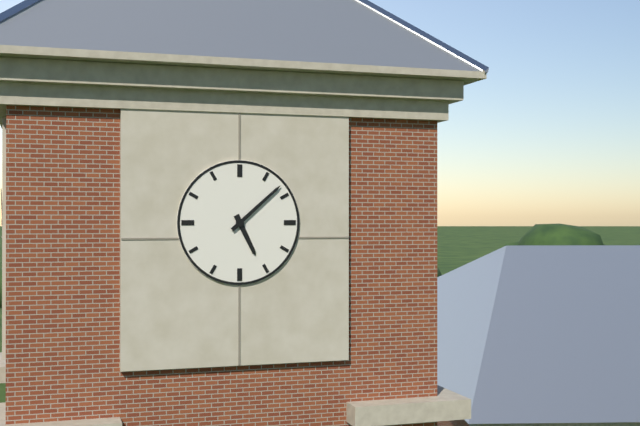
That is 5,08
